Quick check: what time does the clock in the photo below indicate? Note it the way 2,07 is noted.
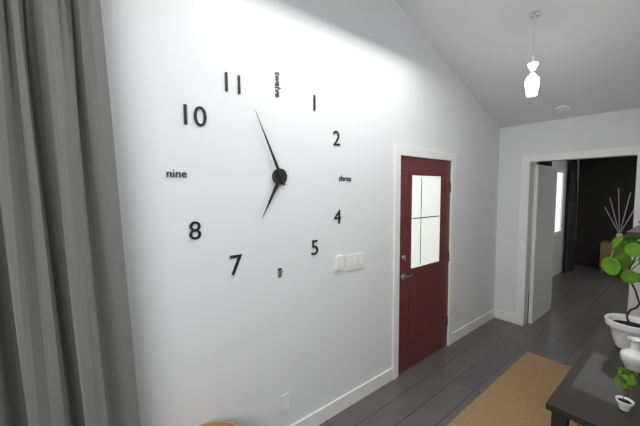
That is 6,56
